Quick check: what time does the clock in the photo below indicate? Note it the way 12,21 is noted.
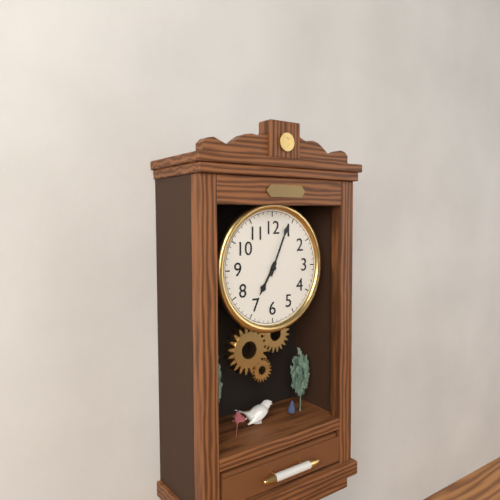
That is 7,04
